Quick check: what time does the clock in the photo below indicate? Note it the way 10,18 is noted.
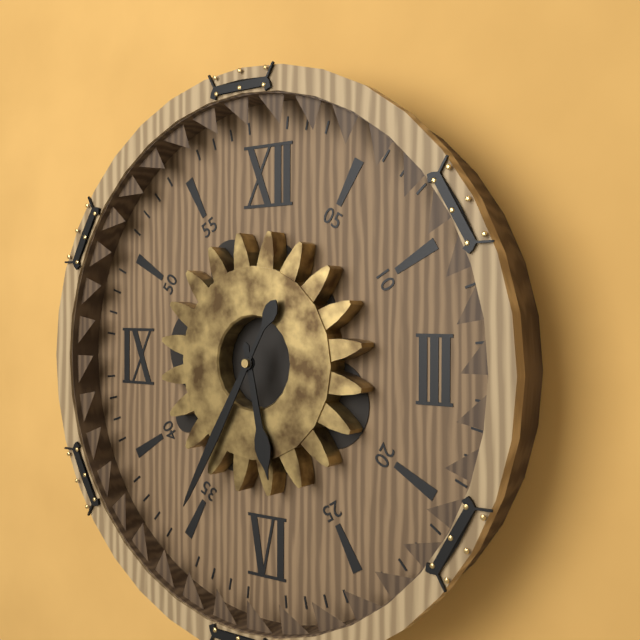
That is 5,35
